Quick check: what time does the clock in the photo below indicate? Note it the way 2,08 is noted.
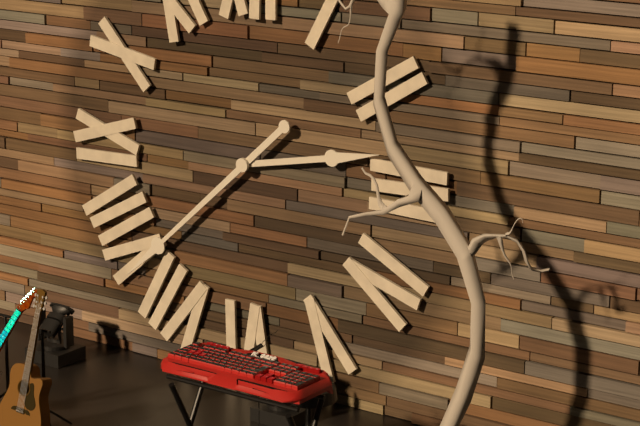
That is 2,38
